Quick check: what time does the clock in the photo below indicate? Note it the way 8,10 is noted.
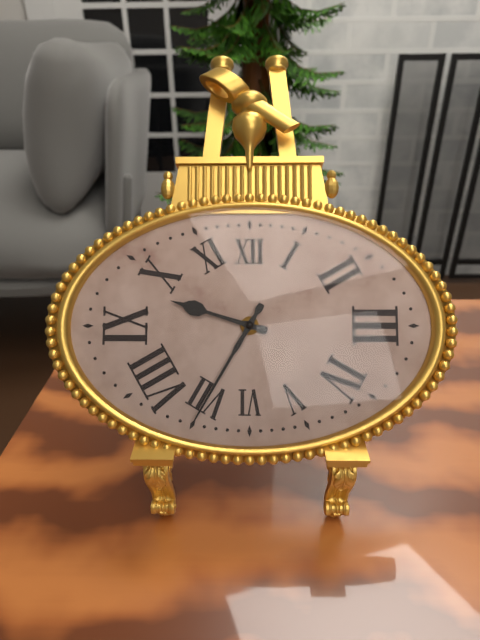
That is 9,35
